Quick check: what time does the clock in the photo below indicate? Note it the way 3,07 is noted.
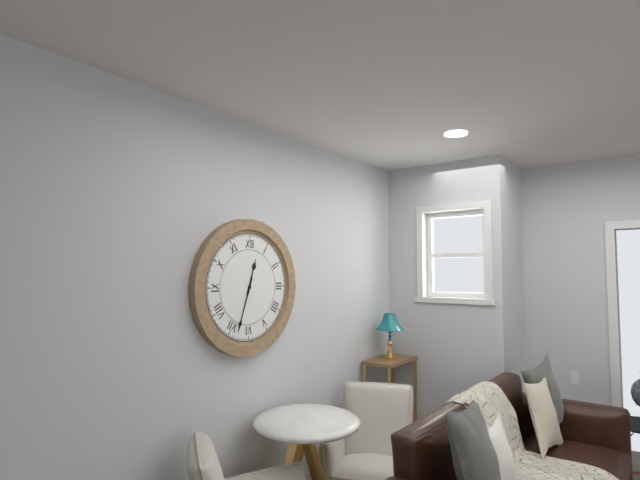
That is 12,33
